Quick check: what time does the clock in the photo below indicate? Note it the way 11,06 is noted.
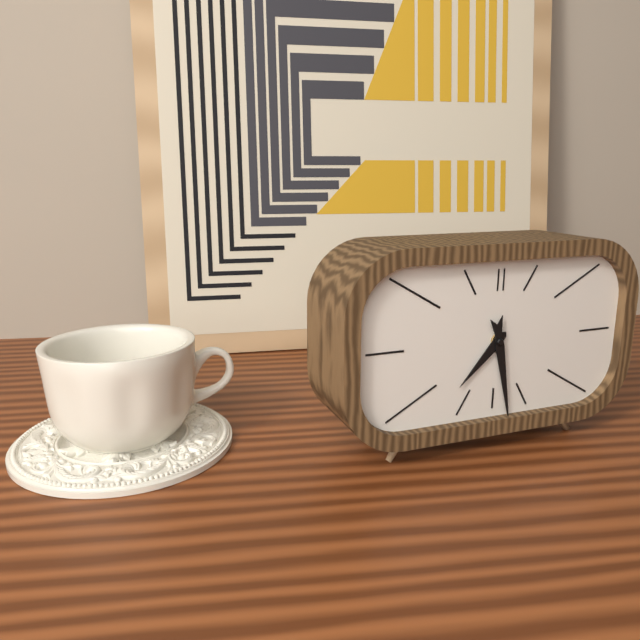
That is 7,28
